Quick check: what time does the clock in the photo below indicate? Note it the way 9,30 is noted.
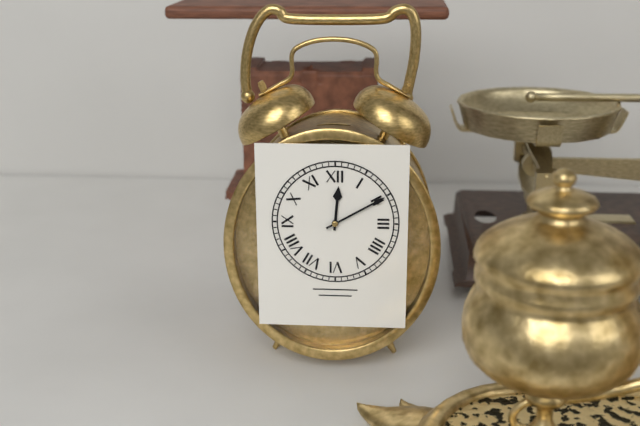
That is 12,10
